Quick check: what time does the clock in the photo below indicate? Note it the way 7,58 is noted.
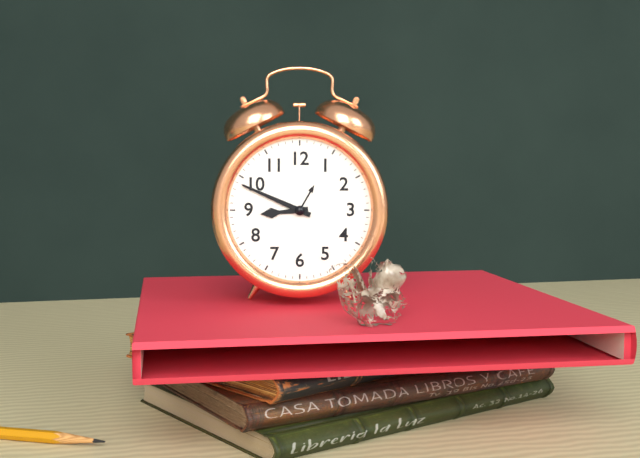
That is 8,49
